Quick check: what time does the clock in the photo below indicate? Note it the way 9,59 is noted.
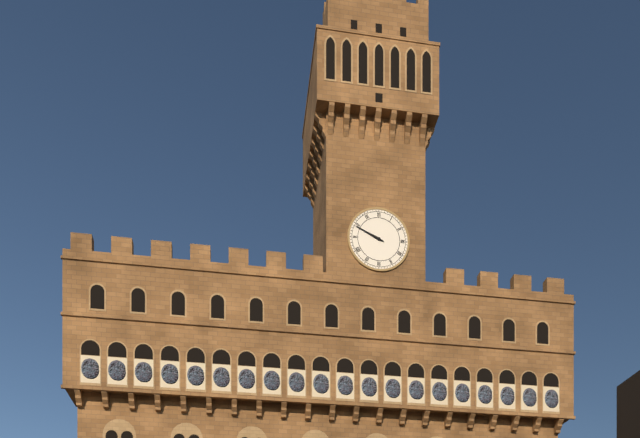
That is 9,49
